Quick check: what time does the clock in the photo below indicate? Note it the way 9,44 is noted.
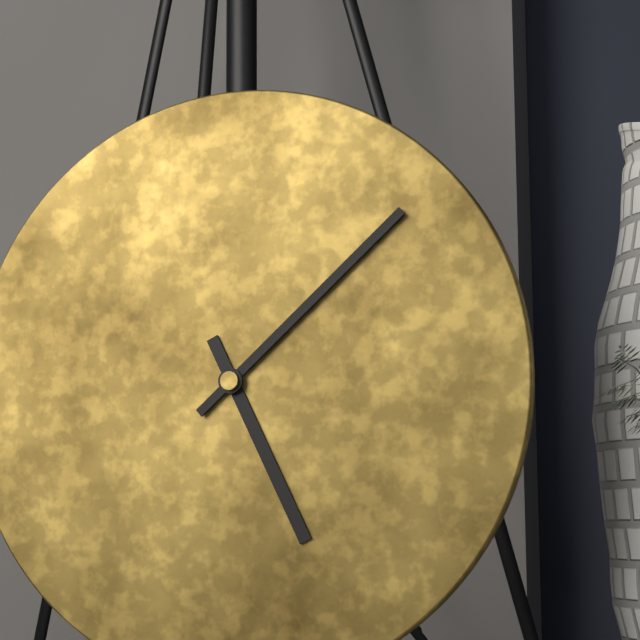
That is 5,08
